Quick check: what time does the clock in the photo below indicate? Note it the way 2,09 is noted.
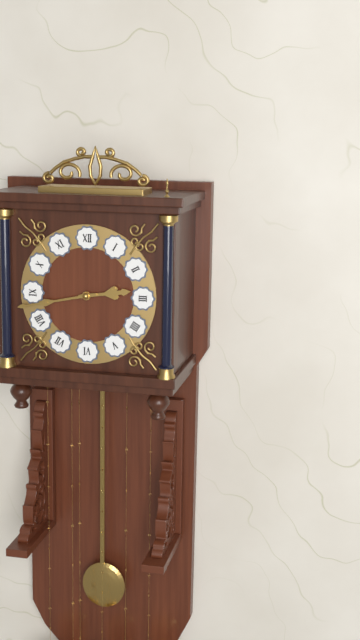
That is 2,43
